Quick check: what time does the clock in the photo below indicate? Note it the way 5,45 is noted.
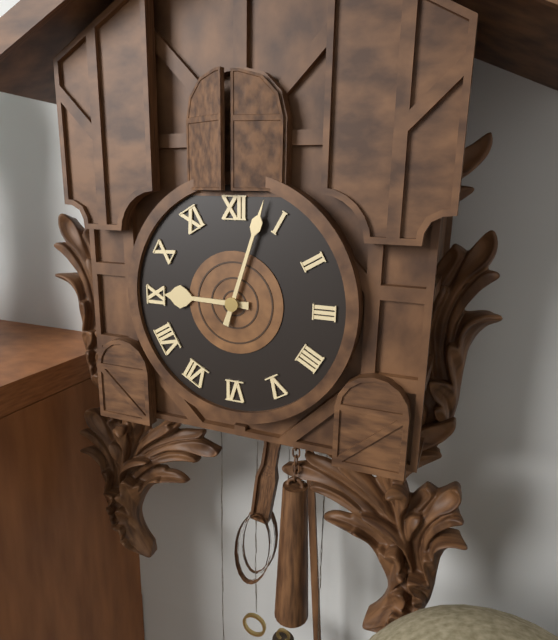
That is 9,03
